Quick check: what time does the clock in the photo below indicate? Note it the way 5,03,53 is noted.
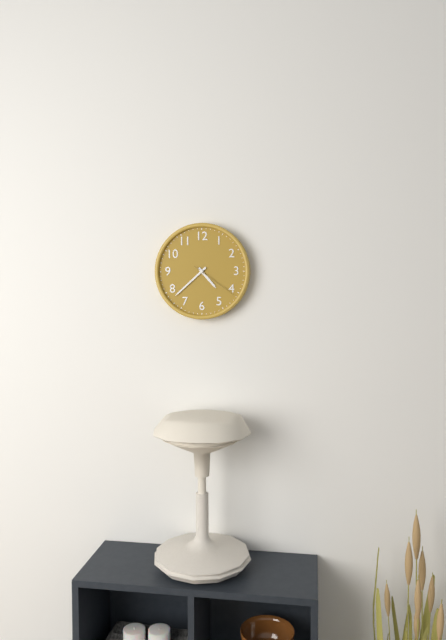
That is 4,38,21
